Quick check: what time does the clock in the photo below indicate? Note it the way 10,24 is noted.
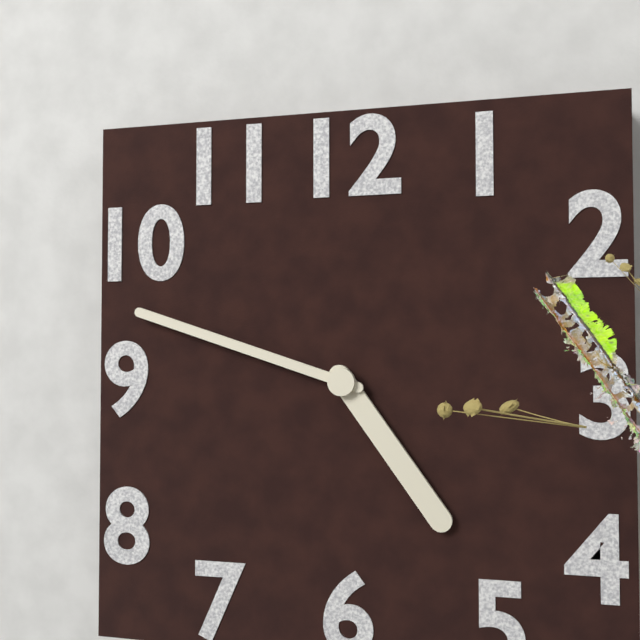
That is 4,48
